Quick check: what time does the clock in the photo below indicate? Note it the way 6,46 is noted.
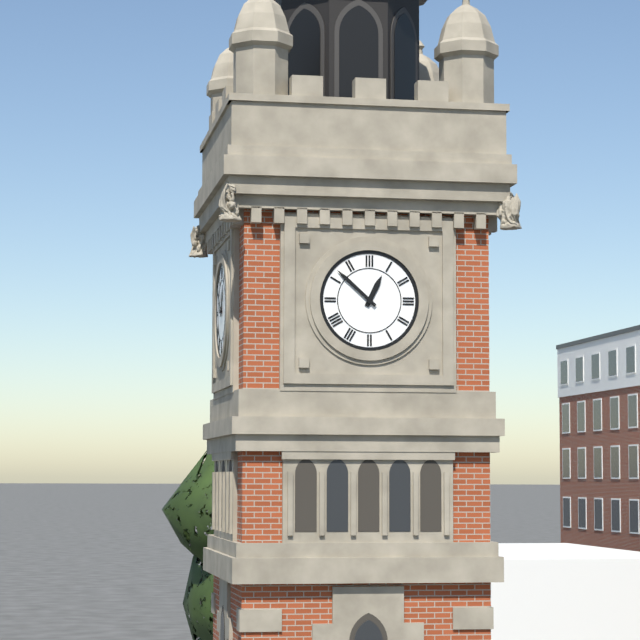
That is 12,52
